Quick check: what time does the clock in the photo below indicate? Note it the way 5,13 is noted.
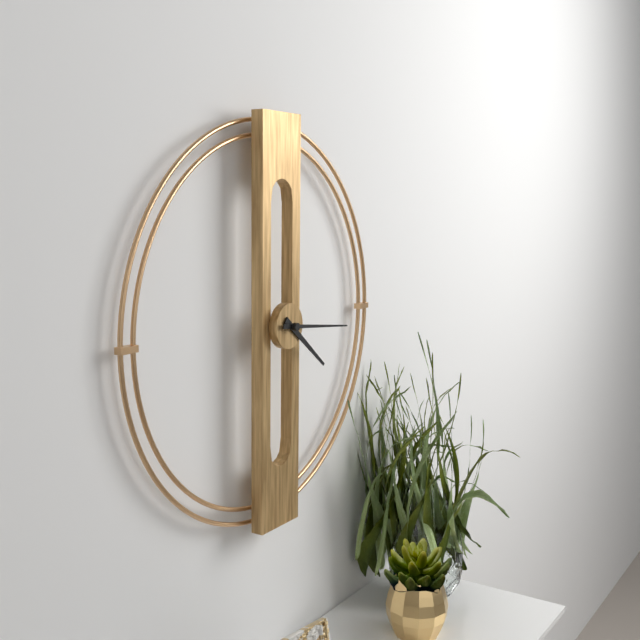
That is 4,16
